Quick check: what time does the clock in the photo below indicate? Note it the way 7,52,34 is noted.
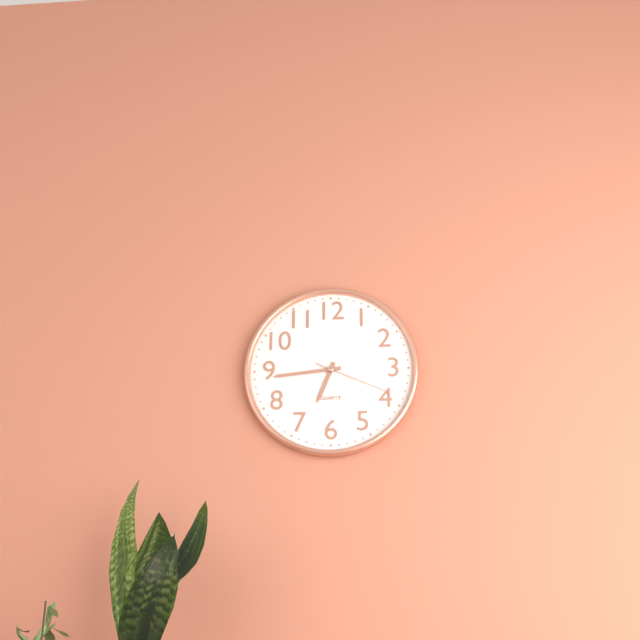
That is 6,44,19
